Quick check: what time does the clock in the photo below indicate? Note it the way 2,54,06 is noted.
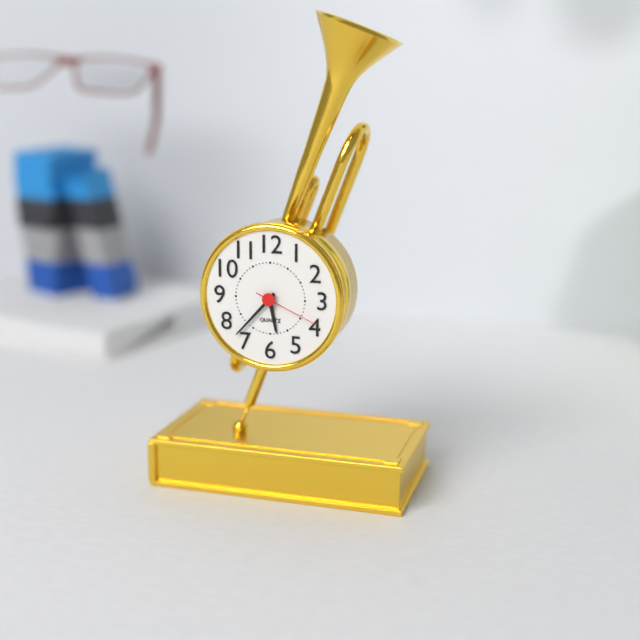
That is 5,37,19
